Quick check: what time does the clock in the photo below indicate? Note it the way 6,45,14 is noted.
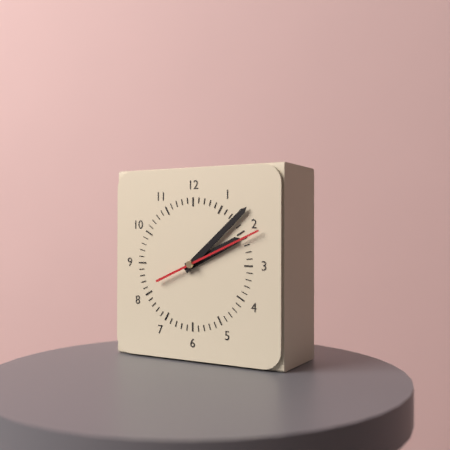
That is 2,08,11
